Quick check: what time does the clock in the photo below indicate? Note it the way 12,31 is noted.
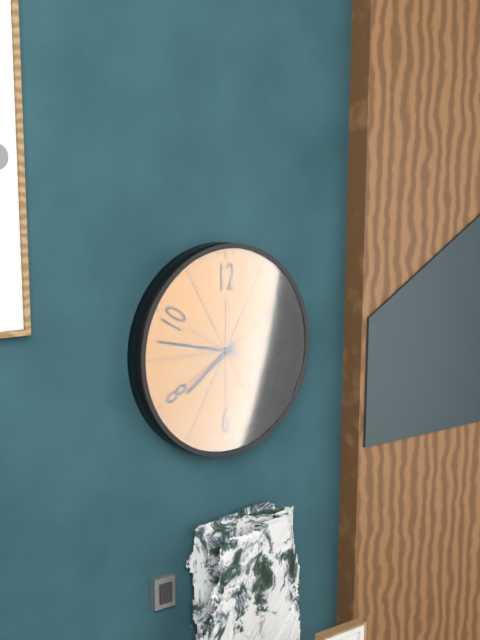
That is 7,47
